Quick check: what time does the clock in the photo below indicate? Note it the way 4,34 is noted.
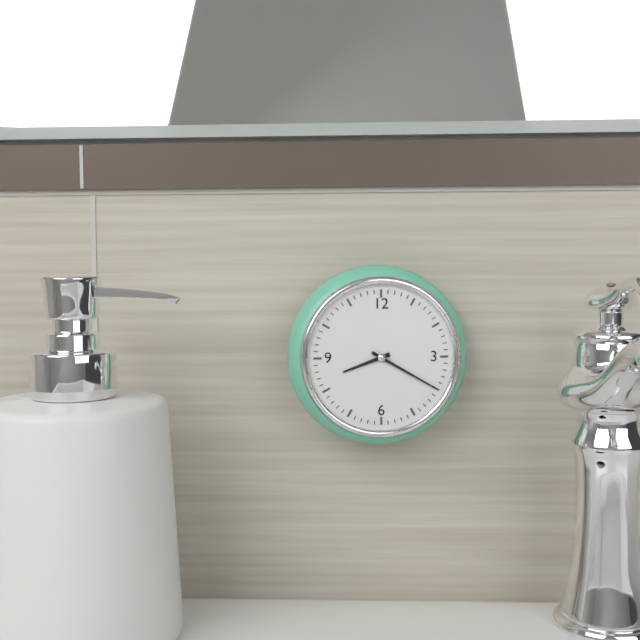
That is 8,20
